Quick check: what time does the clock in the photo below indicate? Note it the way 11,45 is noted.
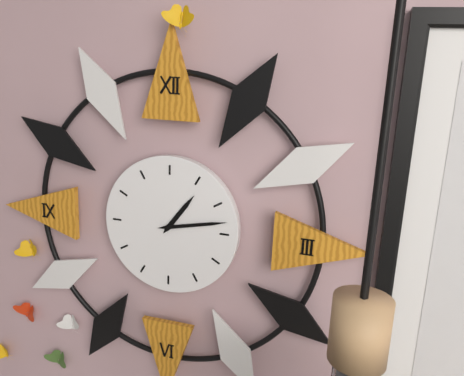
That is 1,13
